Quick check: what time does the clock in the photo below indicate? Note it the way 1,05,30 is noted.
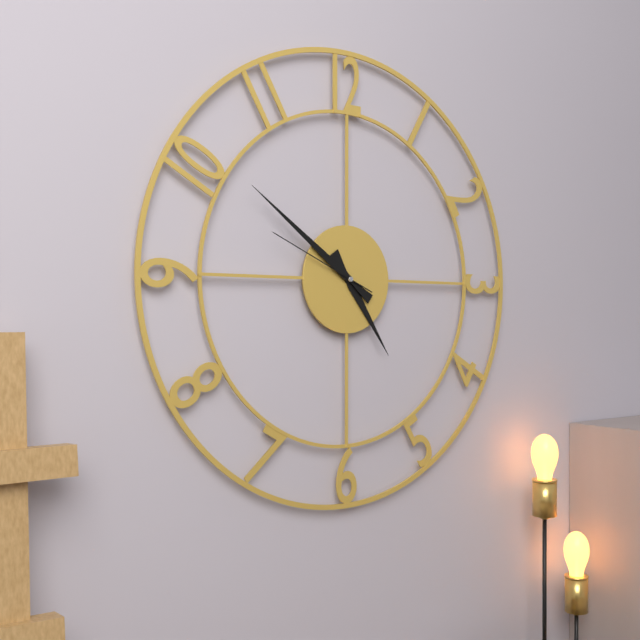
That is 4,51,49
